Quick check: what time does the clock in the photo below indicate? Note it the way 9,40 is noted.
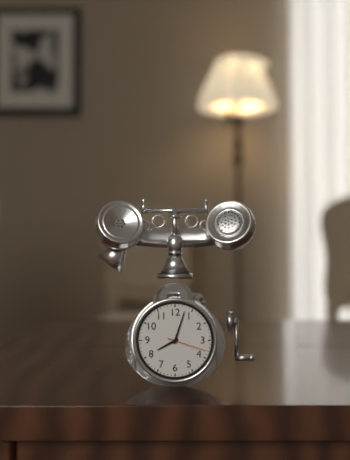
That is 8,03
